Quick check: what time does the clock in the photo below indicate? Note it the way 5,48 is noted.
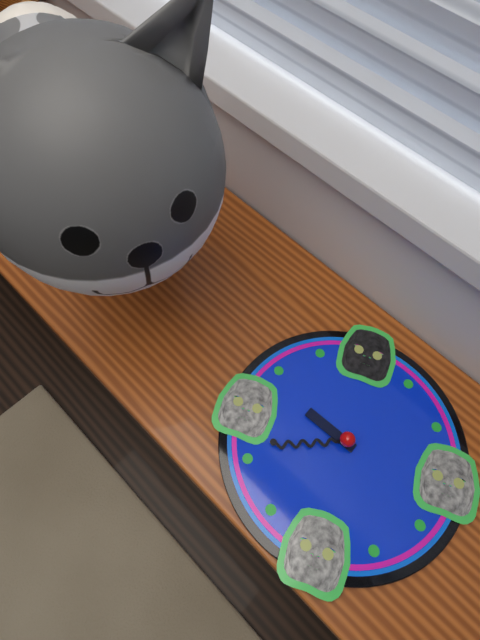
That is 9,41
